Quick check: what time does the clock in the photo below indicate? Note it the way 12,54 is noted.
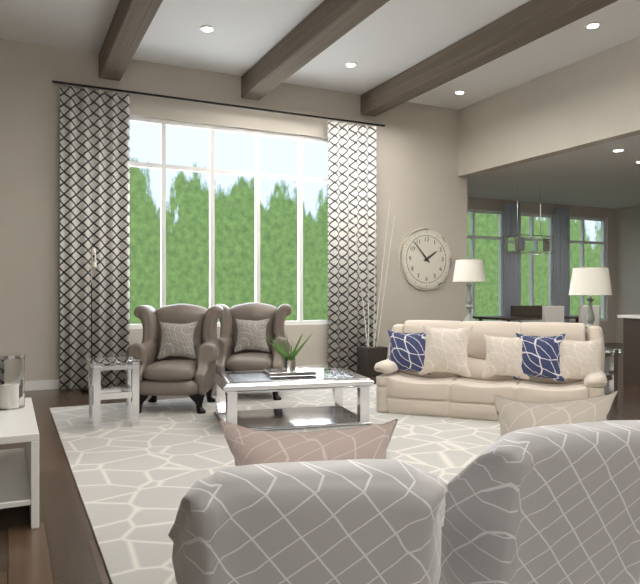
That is 1,53
